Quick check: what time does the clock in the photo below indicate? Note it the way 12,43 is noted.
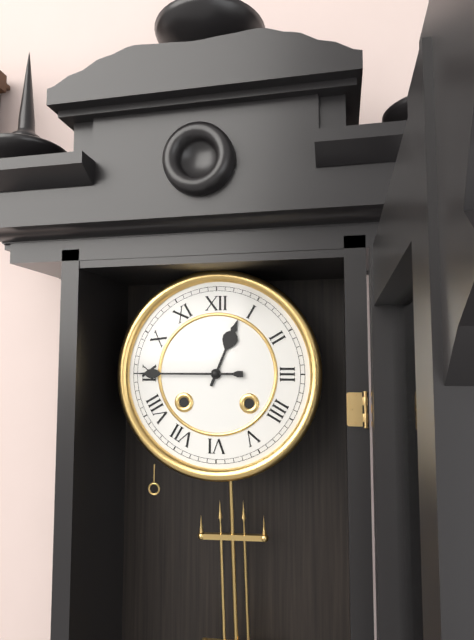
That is 12,45
